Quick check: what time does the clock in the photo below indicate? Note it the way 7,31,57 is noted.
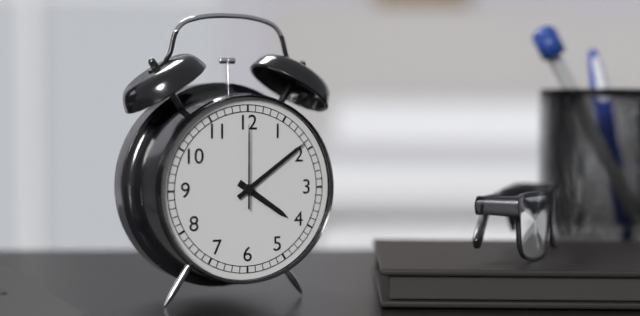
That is 4,09,00
